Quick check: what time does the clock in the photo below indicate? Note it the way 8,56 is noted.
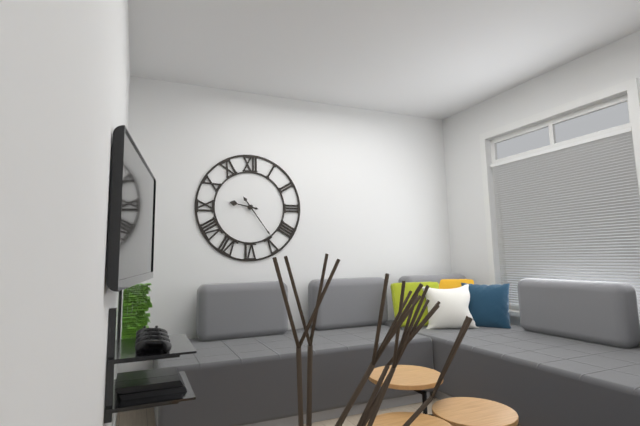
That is 9,24
